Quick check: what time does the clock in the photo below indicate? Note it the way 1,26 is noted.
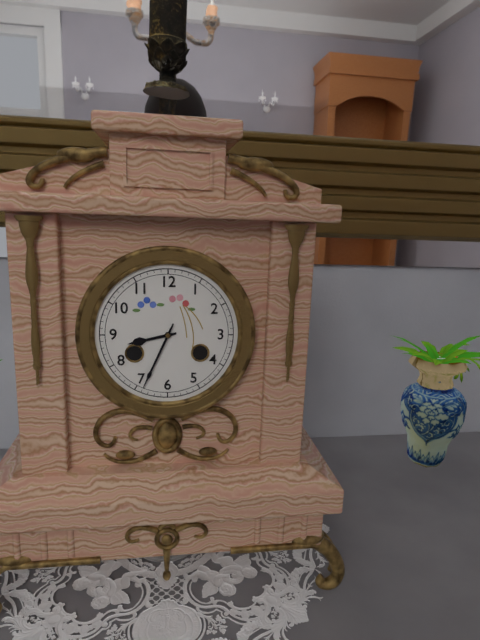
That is 8,34
